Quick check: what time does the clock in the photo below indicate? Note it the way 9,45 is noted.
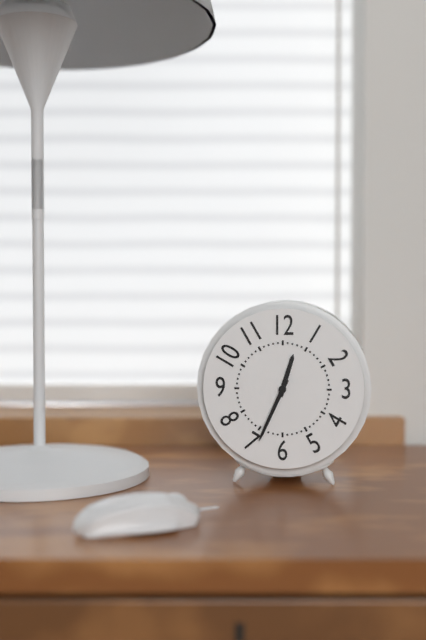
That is 12,34
